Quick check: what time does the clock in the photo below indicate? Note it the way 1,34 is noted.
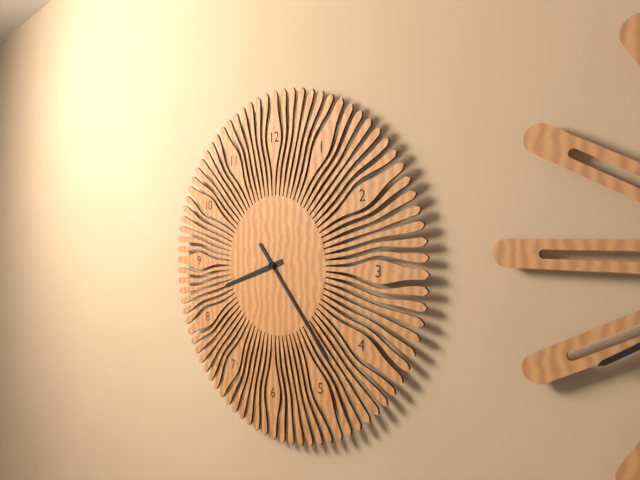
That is 8,23
